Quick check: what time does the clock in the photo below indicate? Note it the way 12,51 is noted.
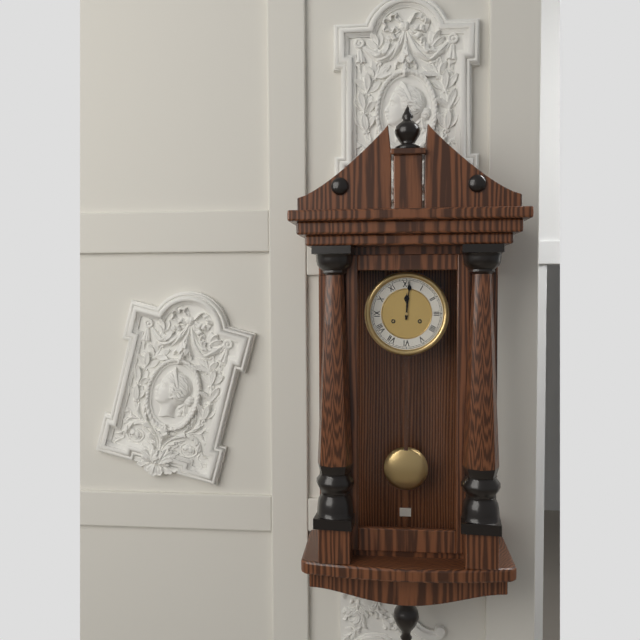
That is 12,01
